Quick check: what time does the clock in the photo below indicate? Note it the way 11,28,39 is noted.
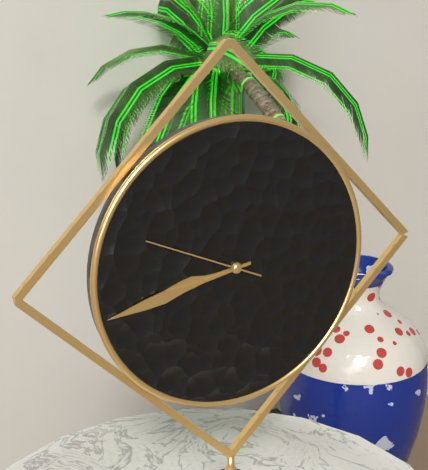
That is 8,43,49
